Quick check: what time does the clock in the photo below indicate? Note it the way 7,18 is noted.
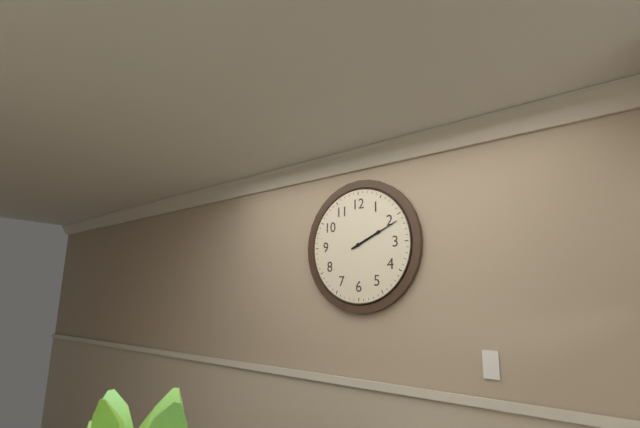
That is 2,11
